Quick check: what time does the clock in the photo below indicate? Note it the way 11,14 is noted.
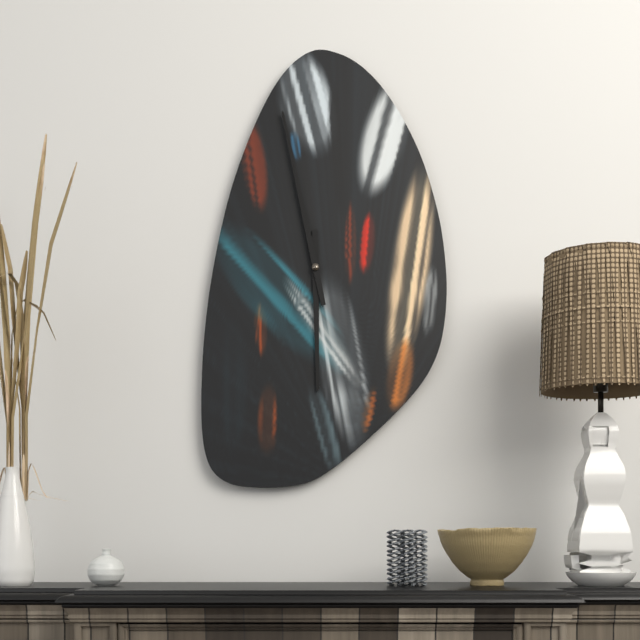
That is 5,58
